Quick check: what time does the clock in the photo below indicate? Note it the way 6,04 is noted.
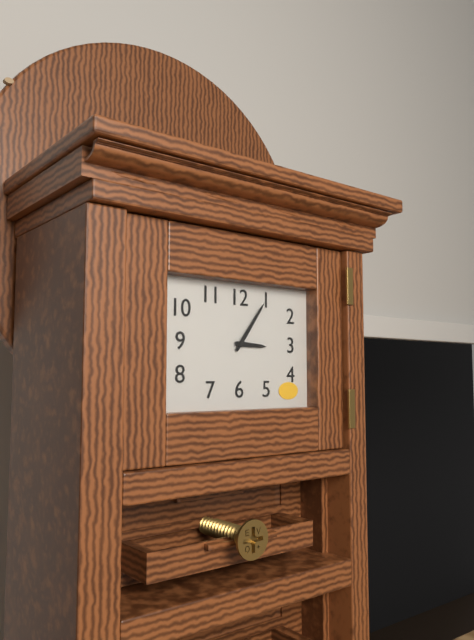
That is 3,06
